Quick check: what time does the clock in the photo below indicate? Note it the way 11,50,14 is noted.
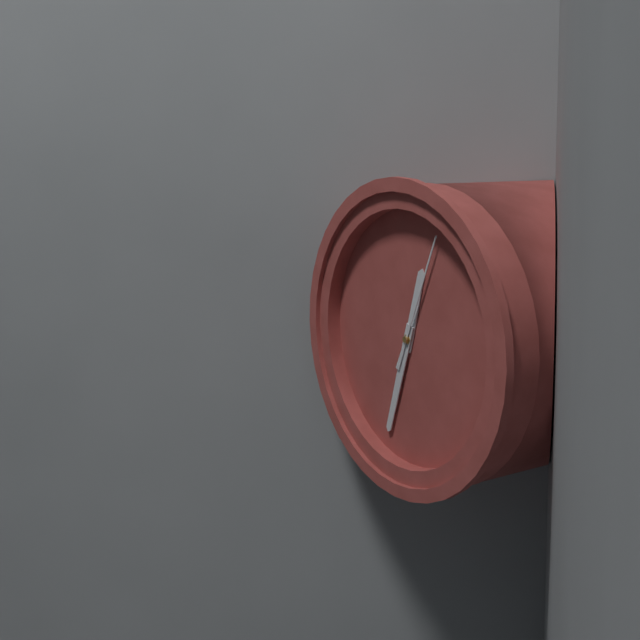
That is 12,33,04
